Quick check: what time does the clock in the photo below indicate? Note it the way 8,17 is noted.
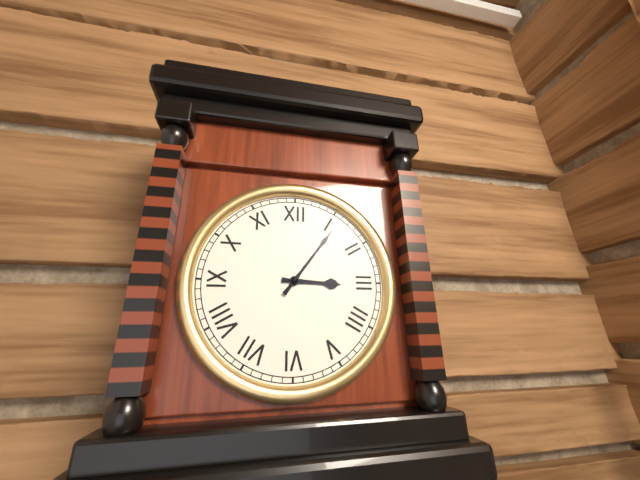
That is 3,06
